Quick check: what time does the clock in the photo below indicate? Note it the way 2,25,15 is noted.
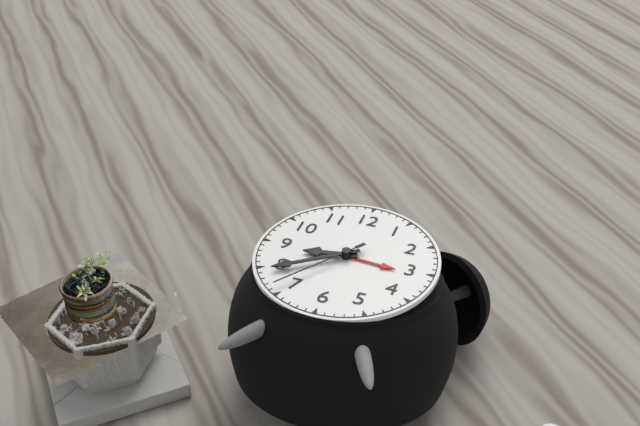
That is 8,39,36
